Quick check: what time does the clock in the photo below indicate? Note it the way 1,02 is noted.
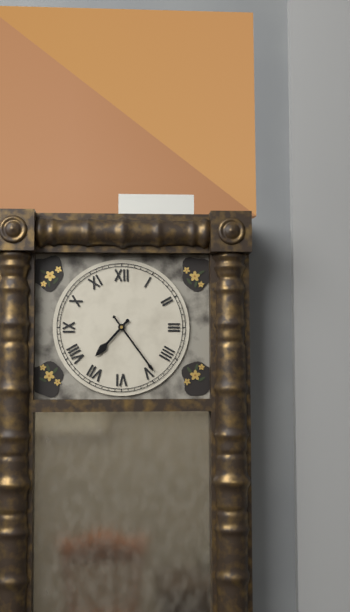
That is 7,24
